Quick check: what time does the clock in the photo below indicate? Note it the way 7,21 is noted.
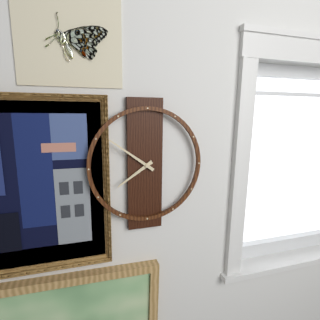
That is 7,51
